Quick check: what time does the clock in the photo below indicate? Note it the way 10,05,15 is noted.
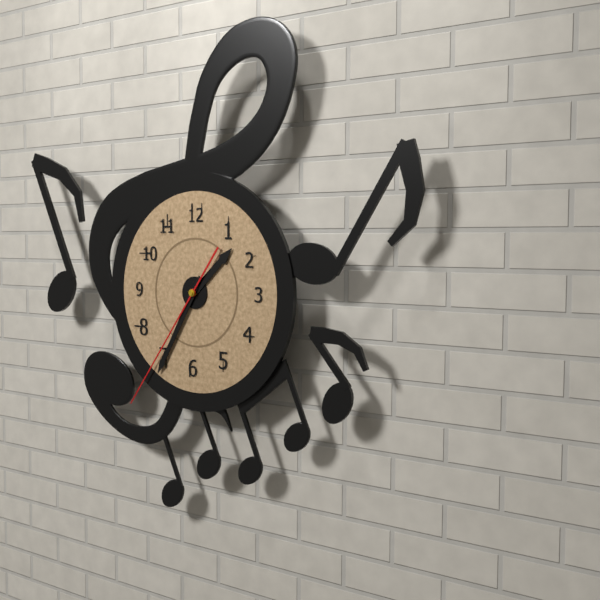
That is 1,35,36
